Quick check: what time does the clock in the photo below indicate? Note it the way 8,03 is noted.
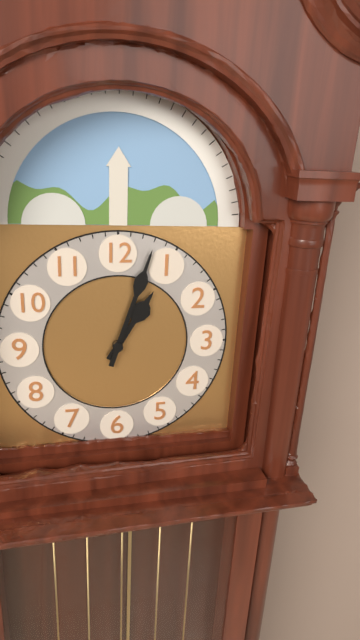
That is 1,03
